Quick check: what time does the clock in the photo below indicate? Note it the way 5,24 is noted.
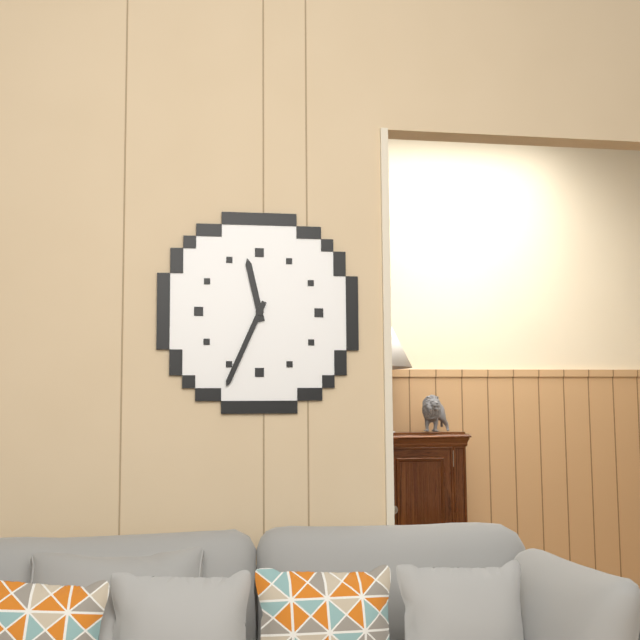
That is 11,34
